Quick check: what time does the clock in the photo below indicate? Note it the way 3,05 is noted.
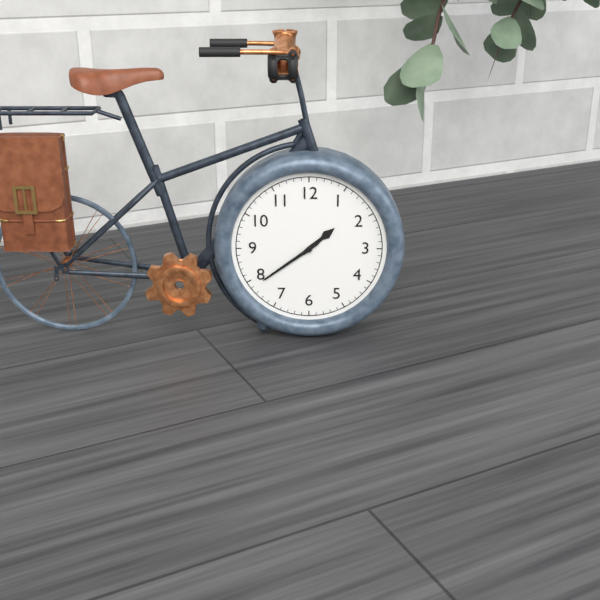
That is 1,39
